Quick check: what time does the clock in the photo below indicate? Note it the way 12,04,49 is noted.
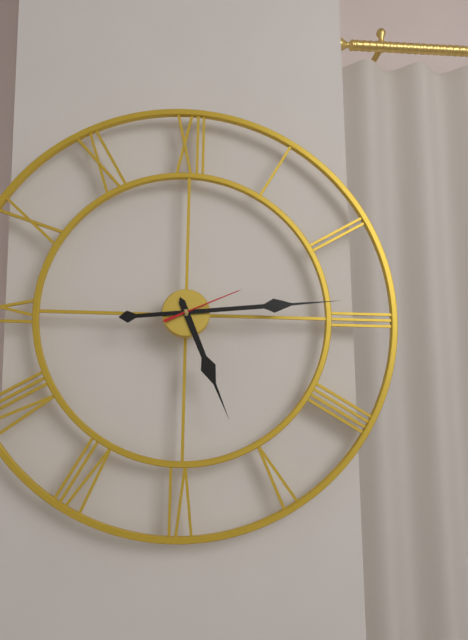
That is 5,14,11
